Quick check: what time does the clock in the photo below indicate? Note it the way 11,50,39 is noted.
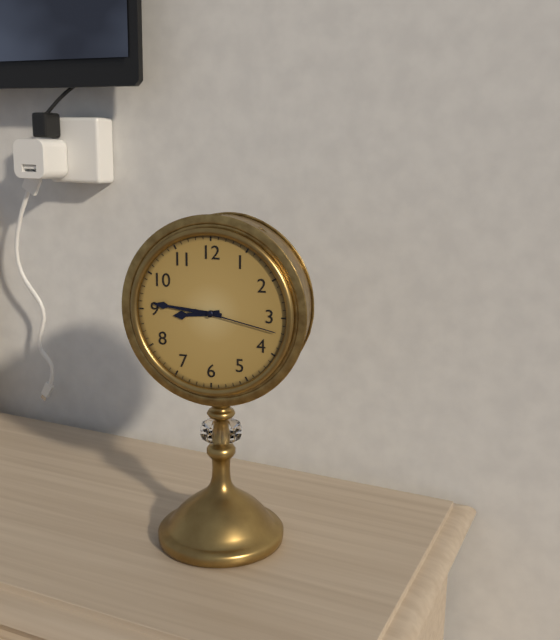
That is 8,46,17
